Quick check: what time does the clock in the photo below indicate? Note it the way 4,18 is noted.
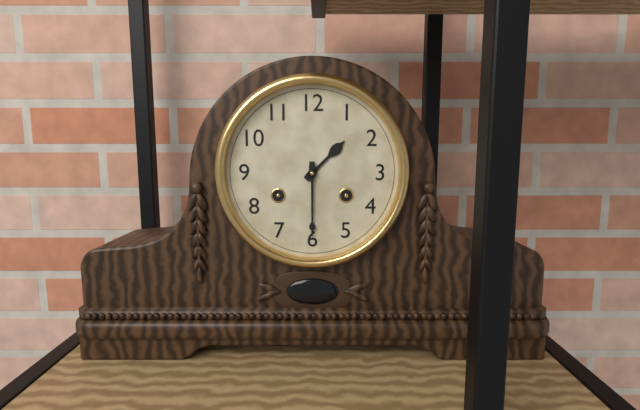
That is 1,30
